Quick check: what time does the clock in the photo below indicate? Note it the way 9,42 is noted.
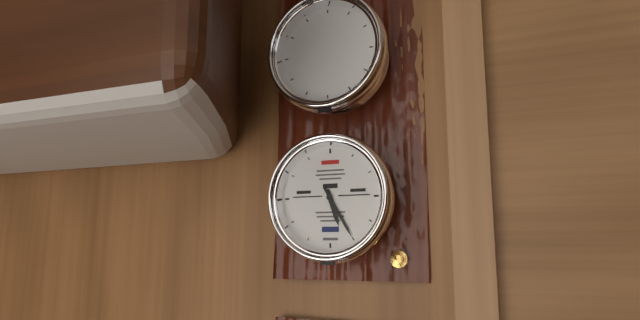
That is 5,25
